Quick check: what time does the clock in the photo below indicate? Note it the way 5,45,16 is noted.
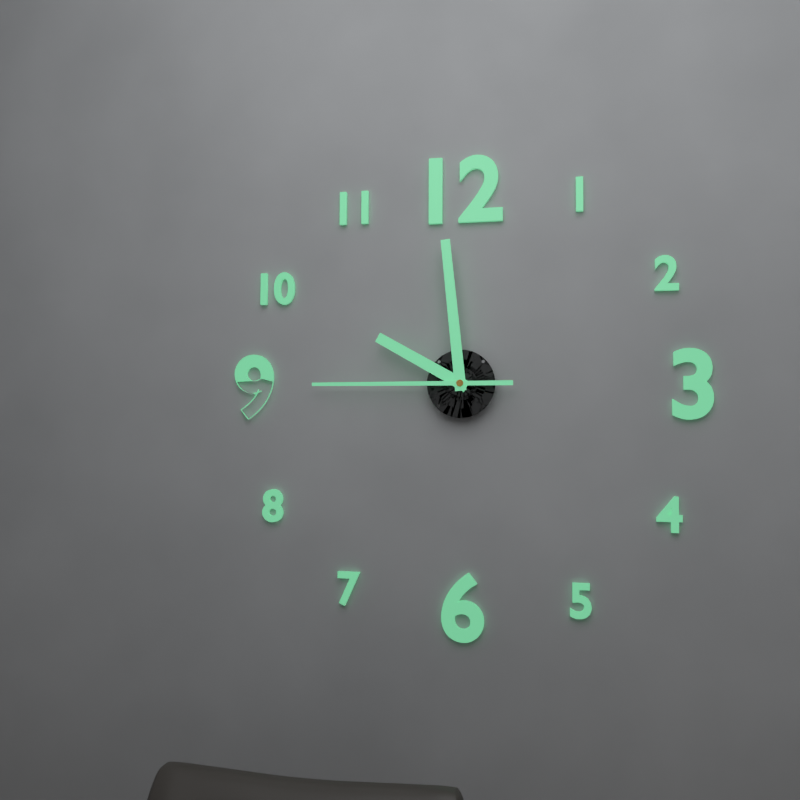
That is 9,59,45
